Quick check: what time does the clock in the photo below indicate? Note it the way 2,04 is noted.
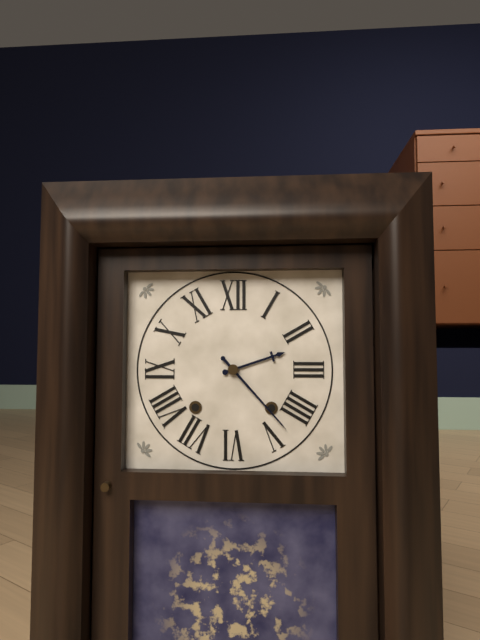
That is 2,23
